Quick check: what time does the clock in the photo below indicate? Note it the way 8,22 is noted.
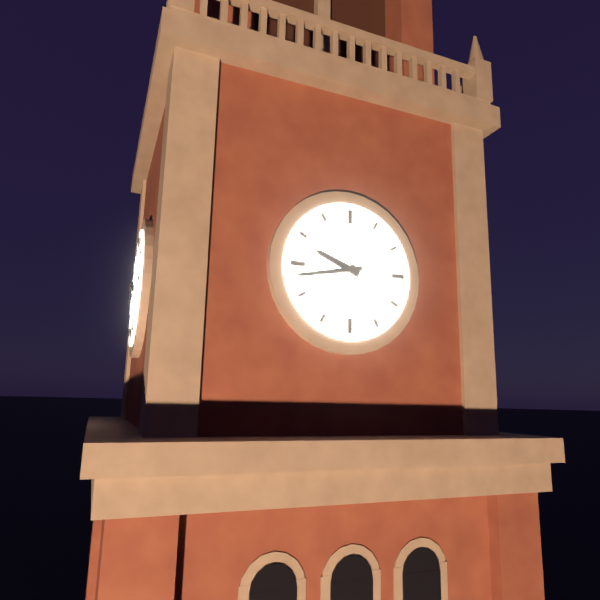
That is 9,43
